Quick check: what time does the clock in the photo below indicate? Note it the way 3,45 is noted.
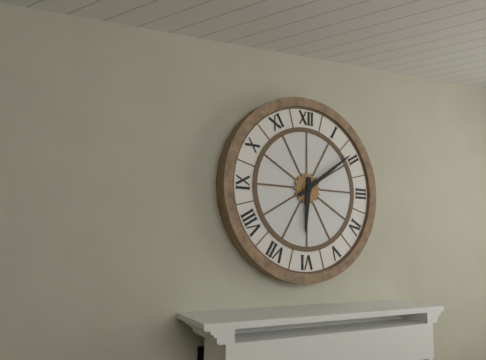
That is 6,09
